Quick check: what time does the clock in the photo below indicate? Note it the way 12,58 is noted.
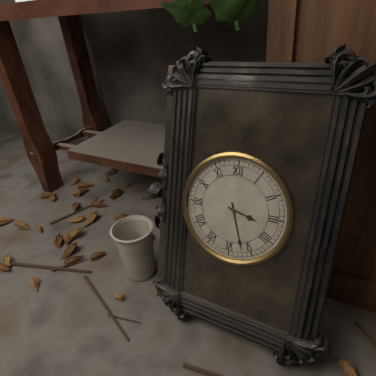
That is 3,27
